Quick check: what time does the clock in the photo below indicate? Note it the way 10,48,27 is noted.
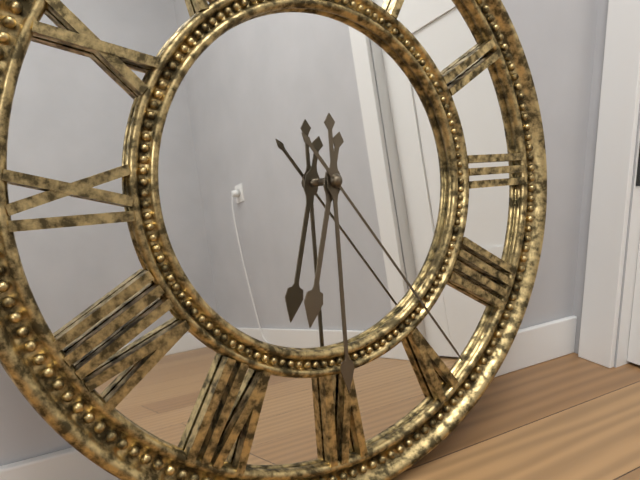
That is 6,30,24
